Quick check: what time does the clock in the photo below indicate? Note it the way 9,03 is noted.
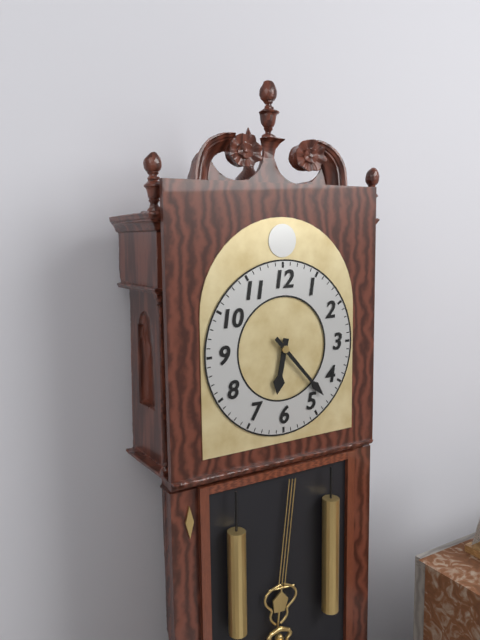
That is 6,23
